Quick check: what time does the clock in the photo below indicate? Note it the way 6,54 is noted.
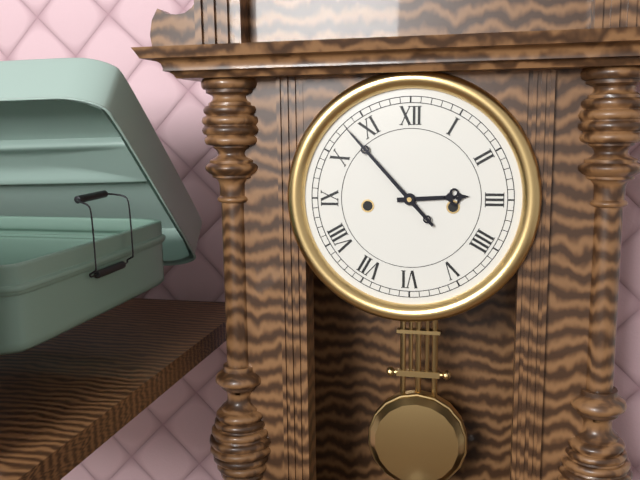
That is 2,53
